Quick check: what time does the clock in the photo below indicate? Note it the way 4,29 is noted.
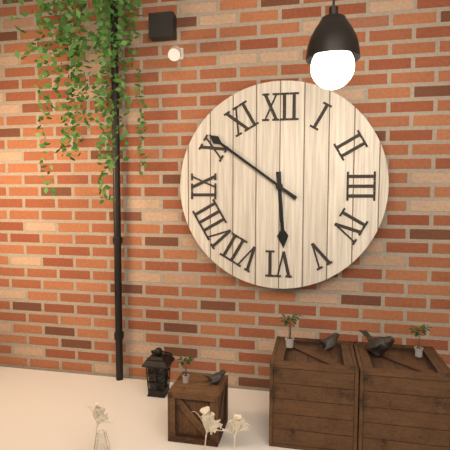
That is 5,51
